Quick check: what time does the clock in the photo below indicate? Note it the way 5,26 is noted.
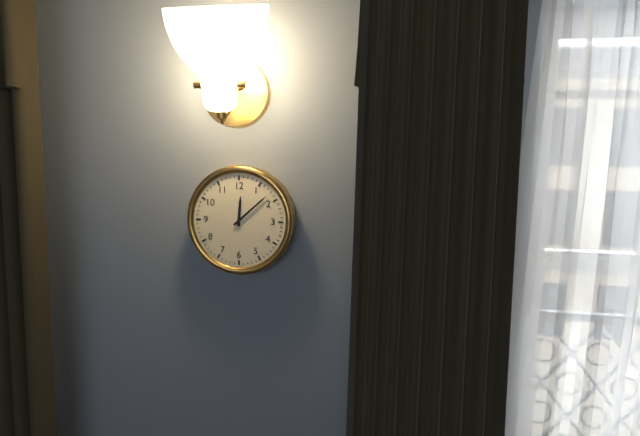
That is 12,08
